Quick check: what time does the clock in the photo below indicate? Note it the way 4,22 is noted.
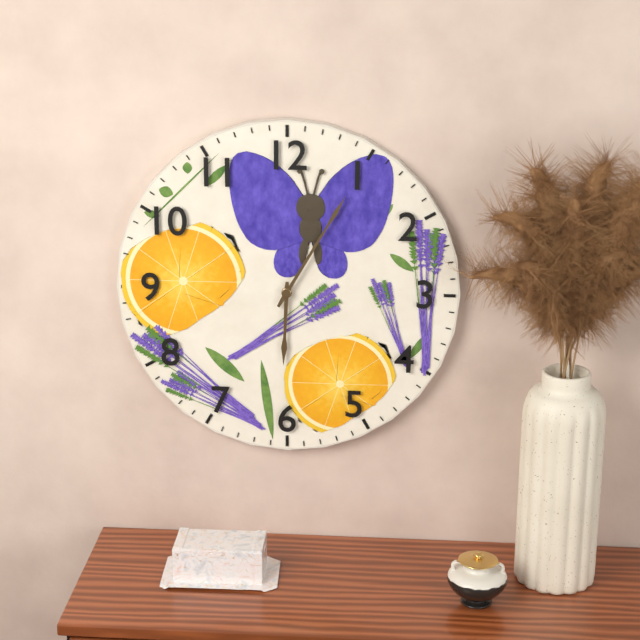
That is 6,05
